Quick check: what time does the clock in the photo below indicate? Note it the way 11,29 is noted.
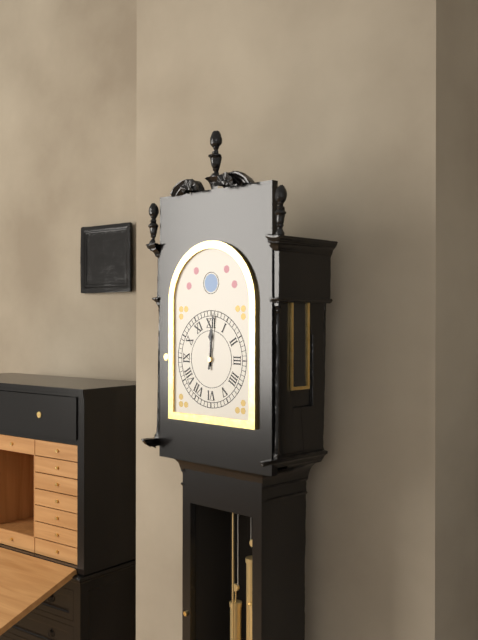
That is 12,01
